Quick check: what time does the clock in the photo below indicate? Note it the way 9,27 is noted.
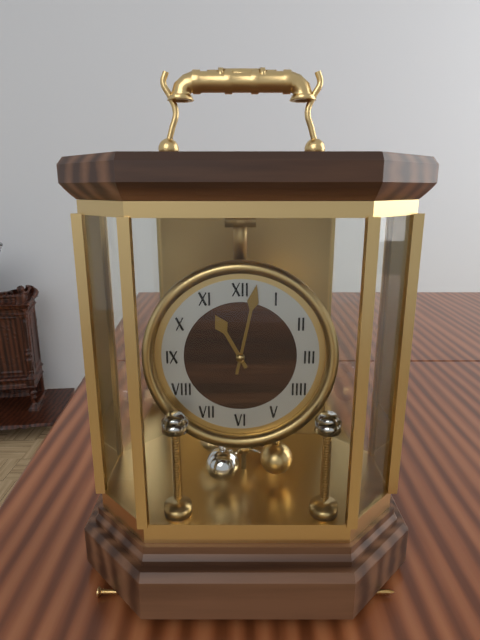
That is 11,02
